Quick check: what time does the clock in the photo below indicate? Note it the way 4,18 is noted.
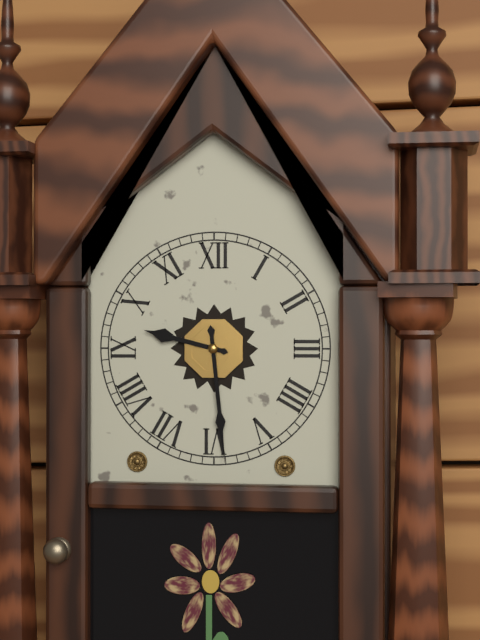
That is 9,29
